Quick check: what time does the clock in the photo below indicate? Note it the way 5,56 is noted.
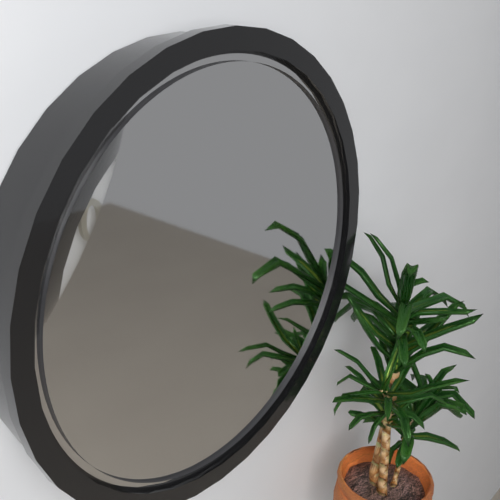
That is 9,49
